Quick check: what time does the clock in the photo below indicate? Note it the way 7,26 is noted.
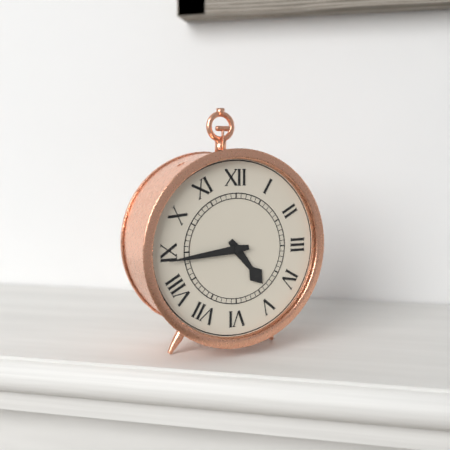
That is 4,44
